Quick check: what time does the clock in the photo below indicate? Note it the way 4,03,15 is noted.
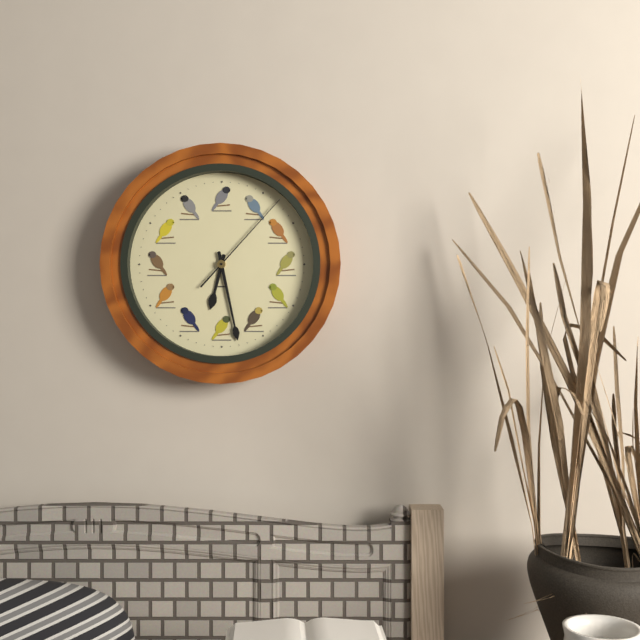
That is 6,28,07
